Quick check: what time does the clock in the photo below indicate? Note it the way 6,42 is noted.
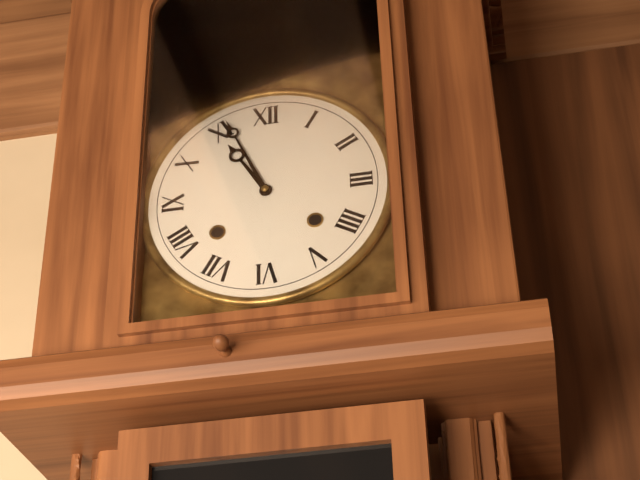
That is 10,56
